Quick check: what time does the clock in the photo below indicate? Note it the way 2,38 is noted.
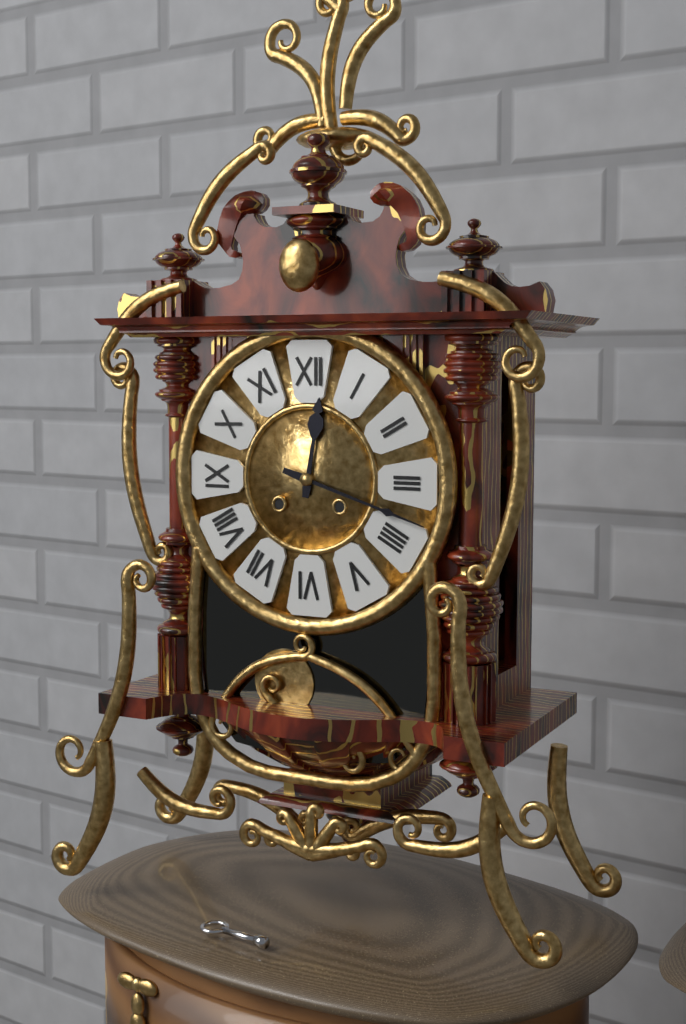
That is 12,18
